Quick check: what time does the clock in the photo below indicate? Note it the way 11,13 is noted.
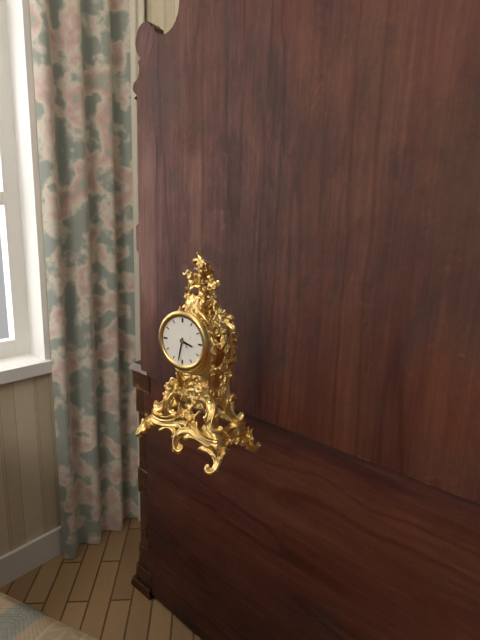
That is 3,32
